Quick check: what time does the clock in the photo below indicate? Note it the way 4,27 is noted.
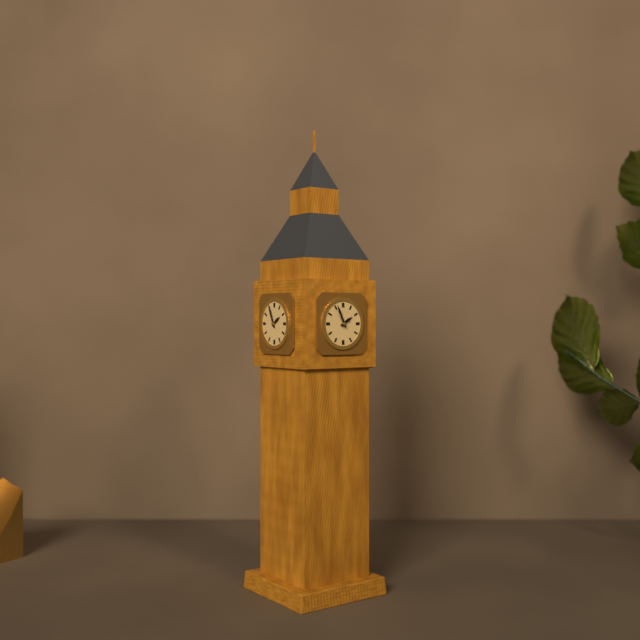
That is 1,56
